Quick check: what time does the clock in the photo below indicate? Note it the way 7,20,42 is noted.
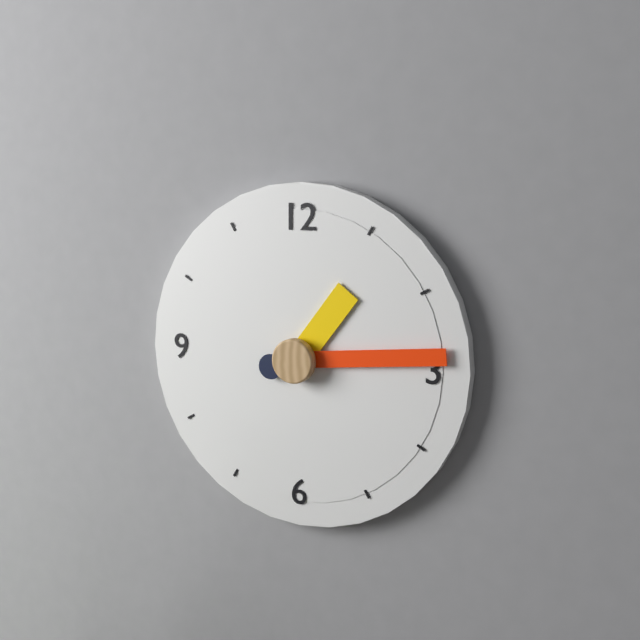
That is 1,14,42
